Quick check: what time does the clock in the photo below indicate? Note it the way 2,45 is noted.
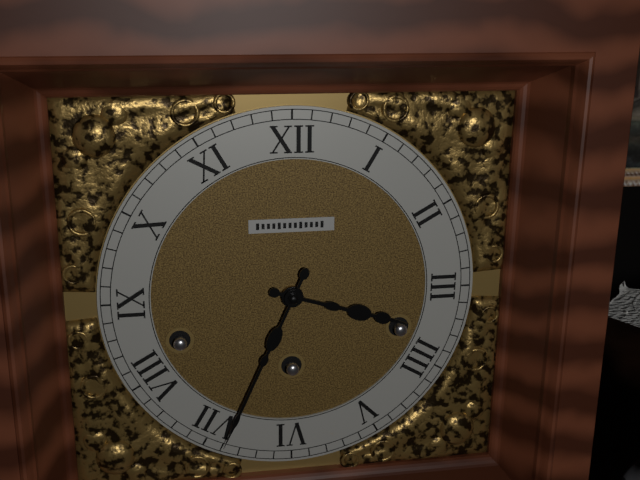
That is 3,34
